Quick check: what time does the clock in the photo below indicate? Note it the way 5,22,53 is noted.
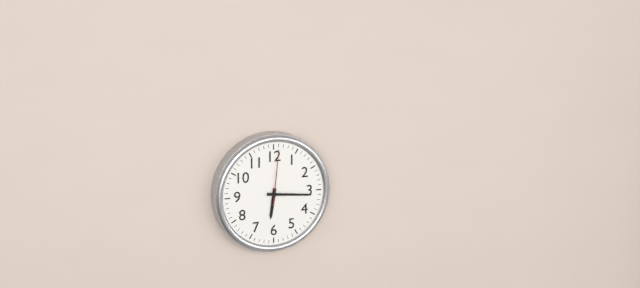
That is 6,16,01
